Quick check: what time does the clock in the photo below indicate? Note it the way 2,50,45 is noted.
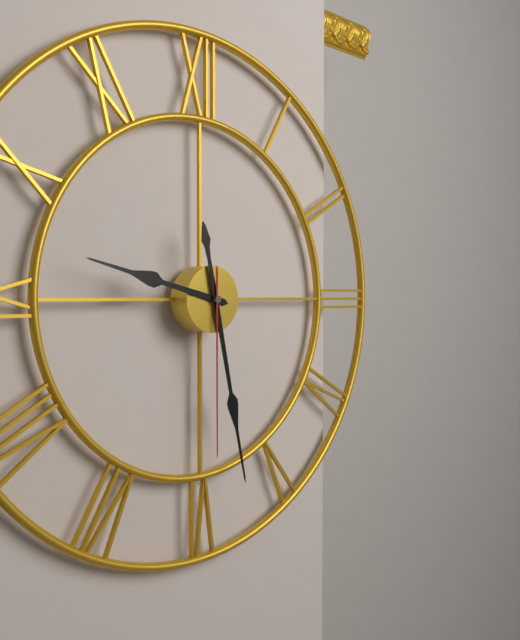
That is 9,28,30
